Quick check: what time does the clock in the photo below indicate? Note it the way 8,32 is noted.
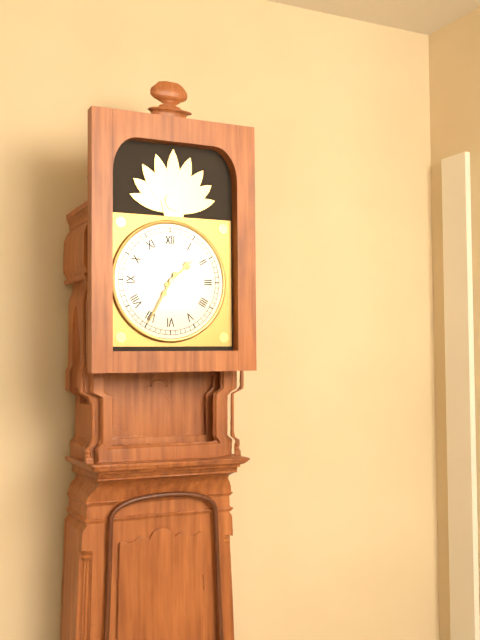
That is 1,35
